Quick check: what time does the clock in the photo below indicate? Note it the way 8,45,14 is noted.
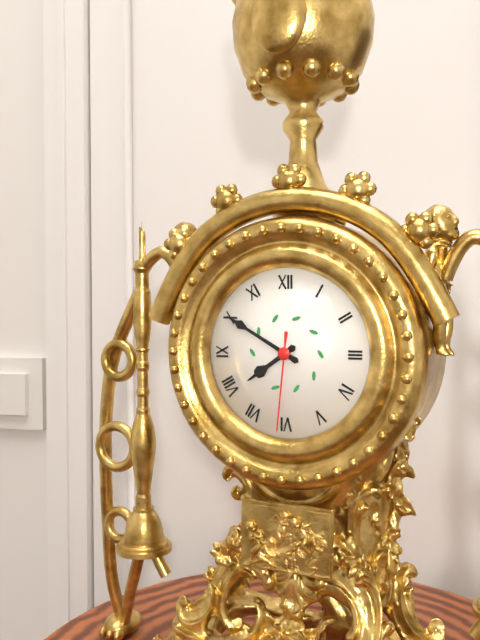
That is 7,50,31
